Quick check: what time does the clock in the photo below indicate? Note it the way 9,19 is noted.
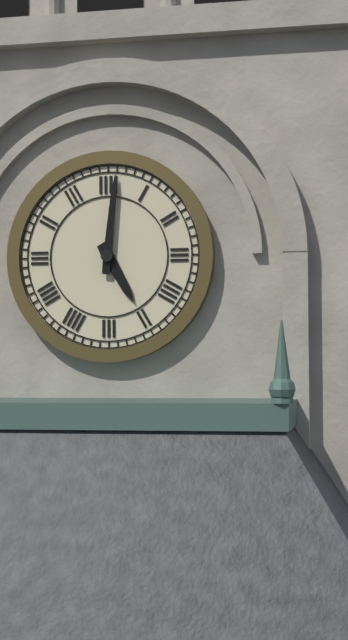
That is 5,01
